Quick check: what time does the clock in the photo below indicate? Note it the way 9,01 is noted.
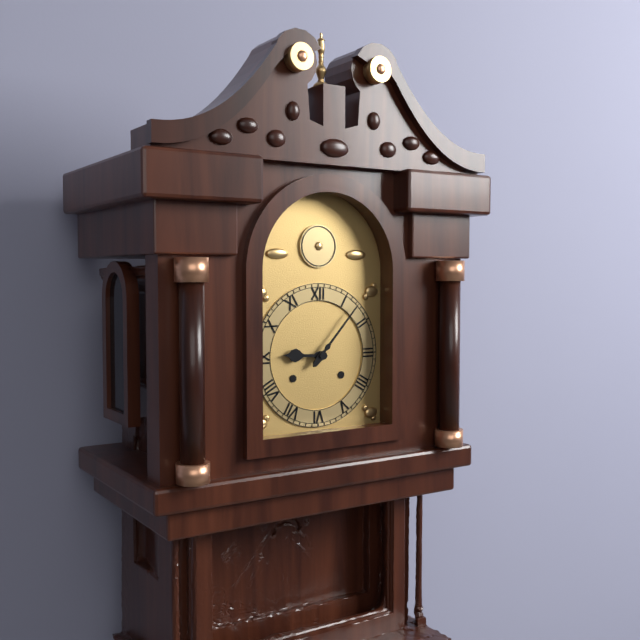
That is 9,07
